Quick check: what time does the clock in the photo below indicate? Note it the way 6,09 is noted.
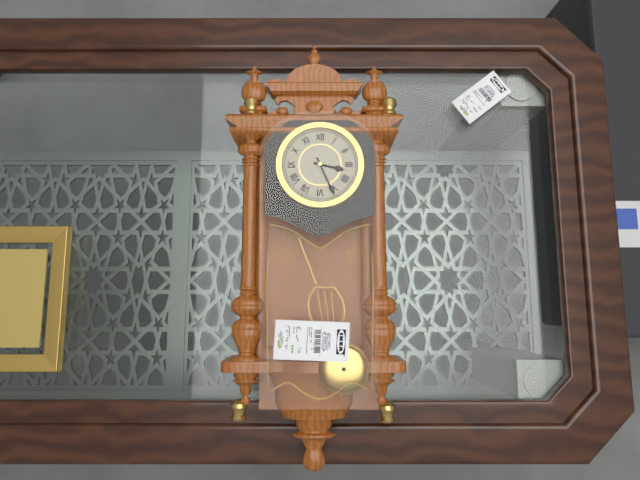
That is 3,26
